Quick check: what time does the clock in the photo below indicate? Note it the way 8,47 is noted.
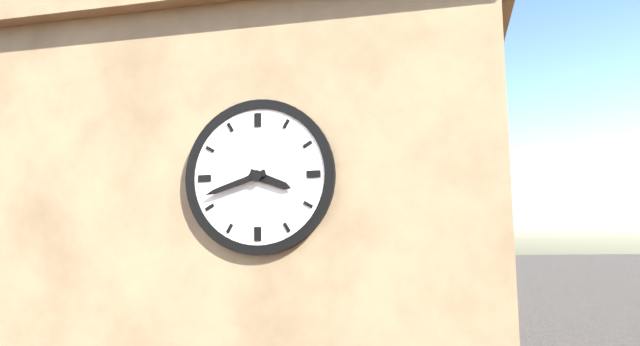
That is 3,42
